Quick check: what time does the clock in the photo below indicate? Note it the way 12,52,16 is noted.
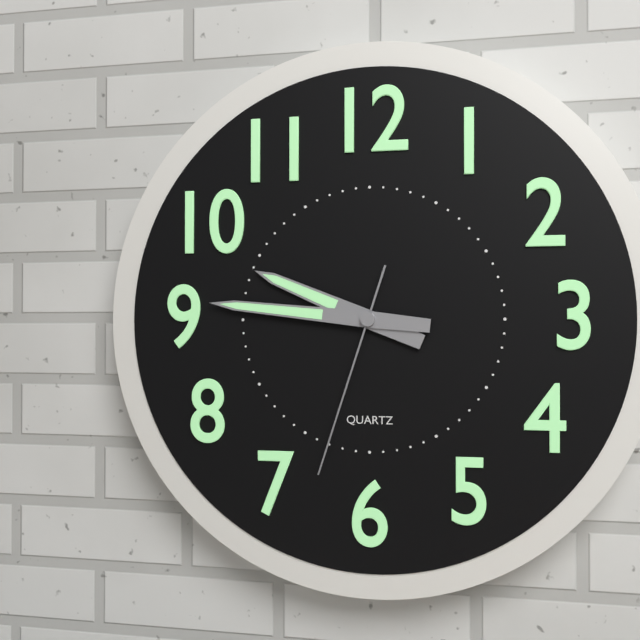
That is 9,46,33
